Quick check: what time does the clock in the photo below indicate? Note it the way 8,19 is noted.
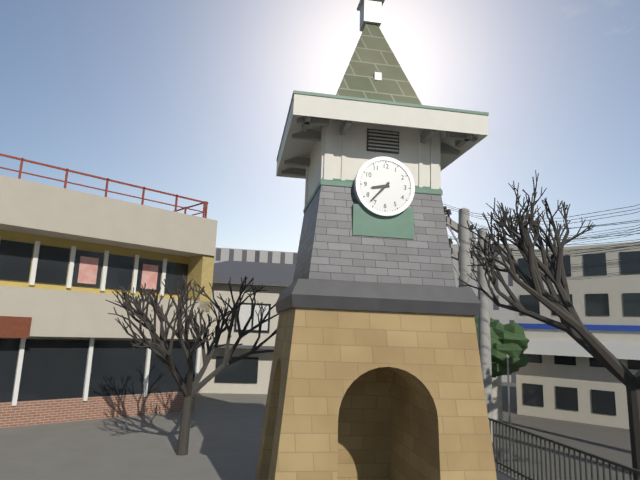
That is 8,37
